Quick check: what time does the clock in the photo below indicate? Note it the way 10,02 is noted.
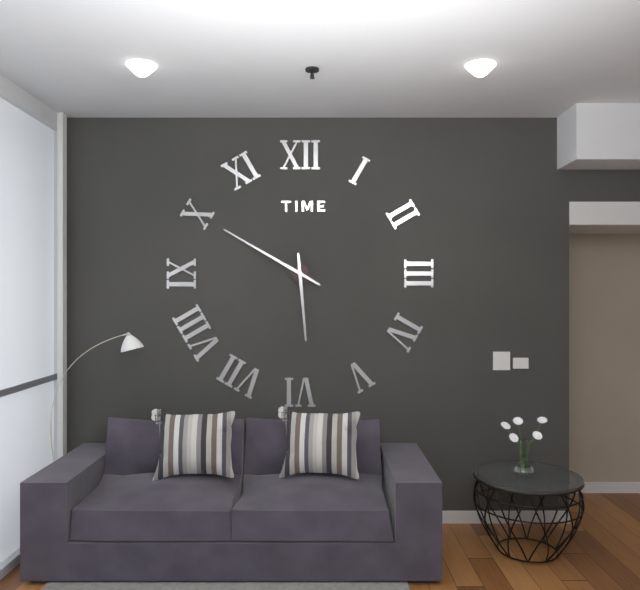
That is 5,50
